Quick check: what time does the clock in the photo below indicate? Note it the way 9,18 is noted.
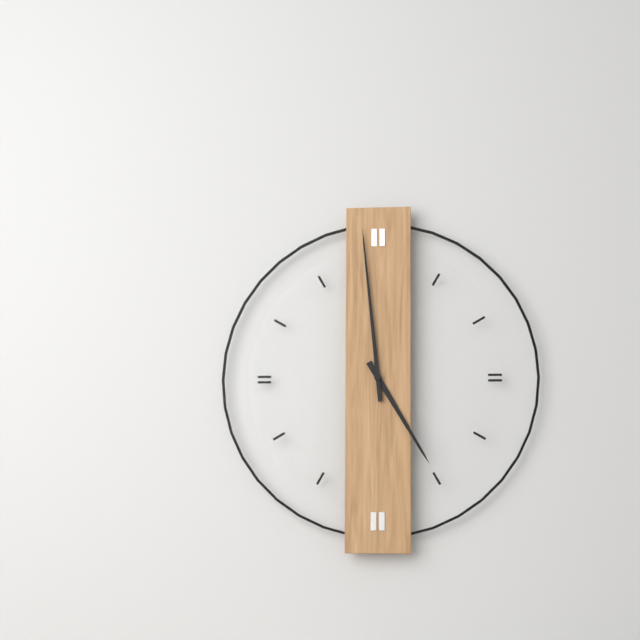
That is 4,59
